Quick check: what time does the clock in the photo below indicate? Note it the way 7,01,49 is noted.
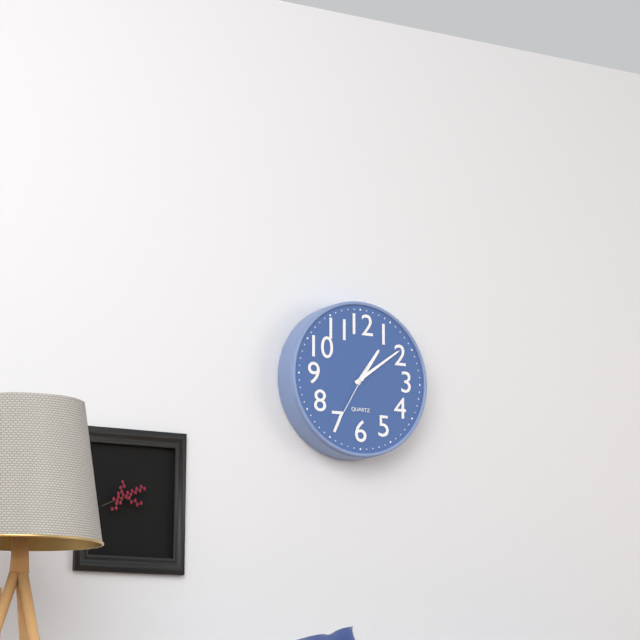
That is 1,09,35
